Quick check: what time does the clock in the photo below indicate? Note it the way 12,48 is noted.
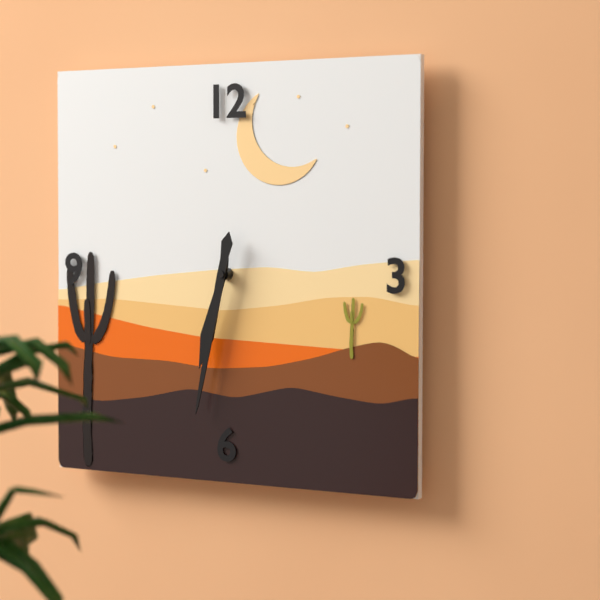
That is 6,32
